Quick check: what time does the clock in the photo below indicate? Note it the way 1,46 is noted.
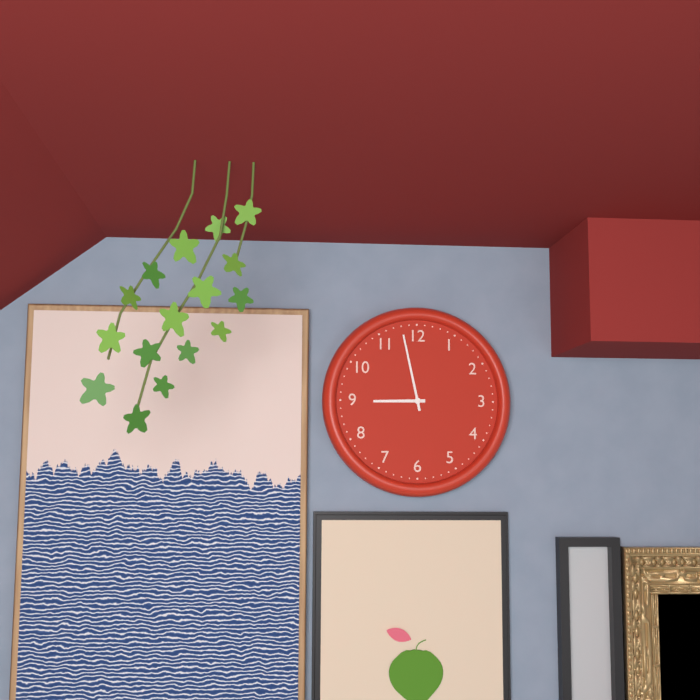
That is 8,58
